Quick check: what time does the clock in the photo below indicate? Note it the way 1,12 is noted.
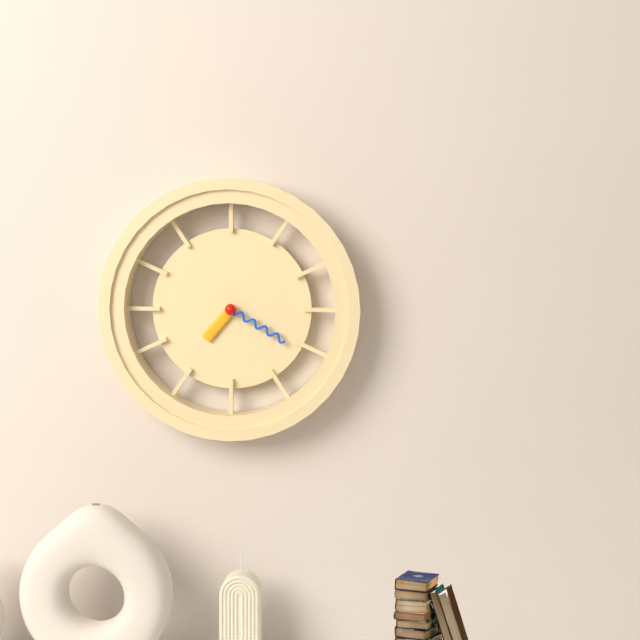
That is 7,20
